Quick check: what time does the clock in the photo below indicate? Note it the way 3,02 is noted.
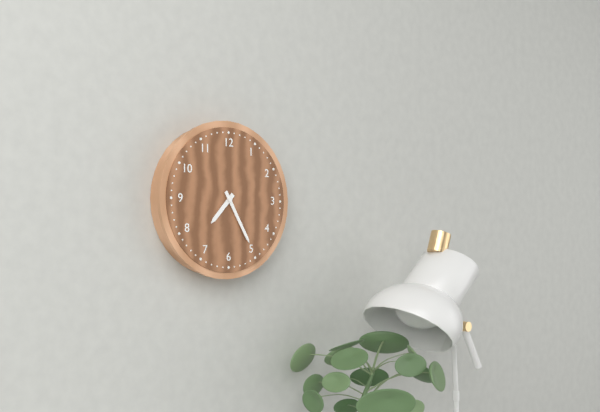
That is 7,25
